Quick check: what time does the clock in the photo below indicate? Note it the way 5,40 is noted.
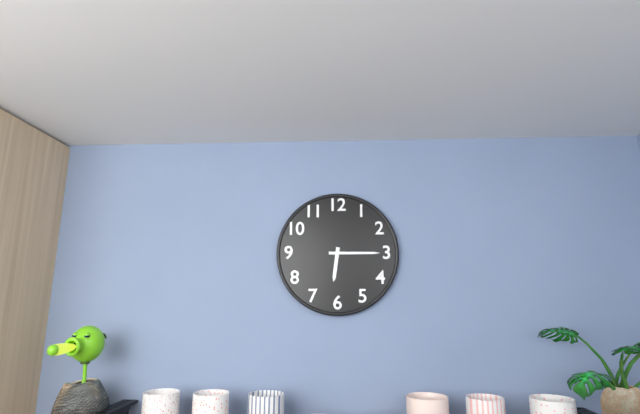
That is 6,15
